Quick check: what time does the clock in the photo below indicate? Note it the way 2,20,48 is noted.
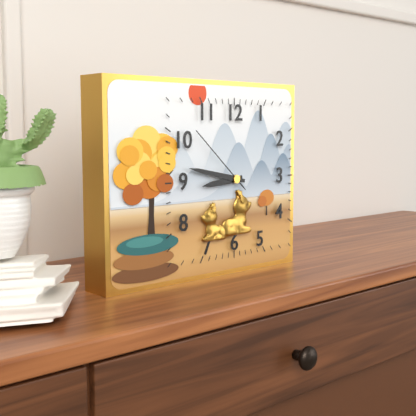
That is 8,47,52
